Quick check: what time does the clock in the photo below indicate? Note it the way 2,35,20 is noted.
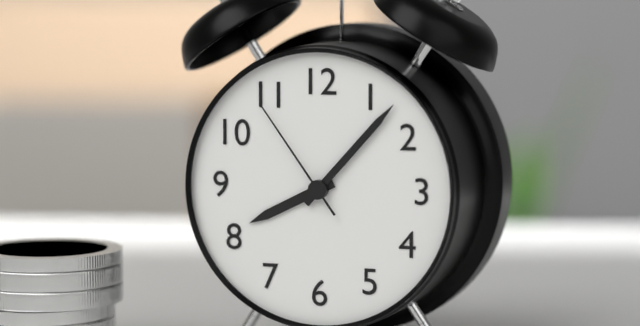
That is 8,07,54
